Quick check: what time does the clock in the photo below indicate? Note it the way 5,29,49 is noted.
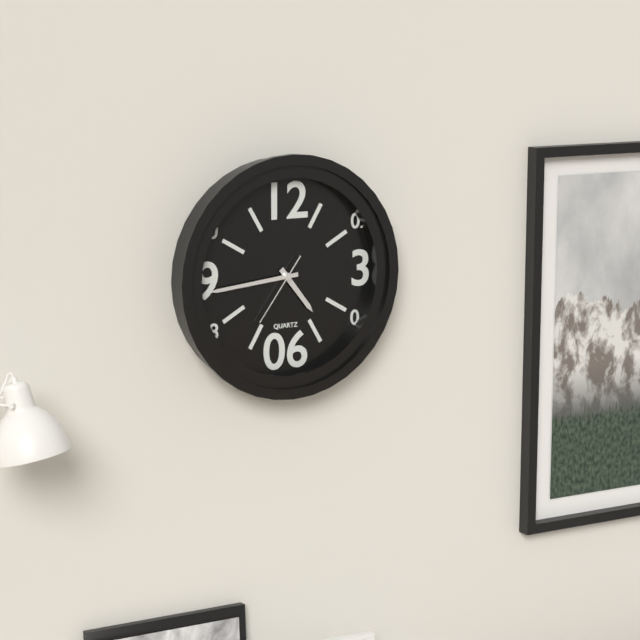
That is 4,44,36
